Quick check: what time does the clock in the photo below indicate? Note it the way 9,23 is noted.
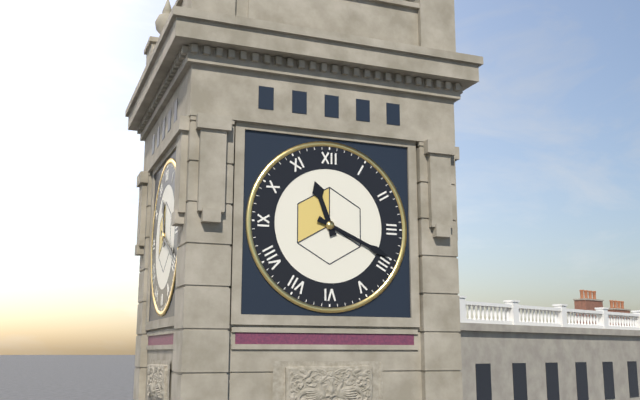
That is 11,19
